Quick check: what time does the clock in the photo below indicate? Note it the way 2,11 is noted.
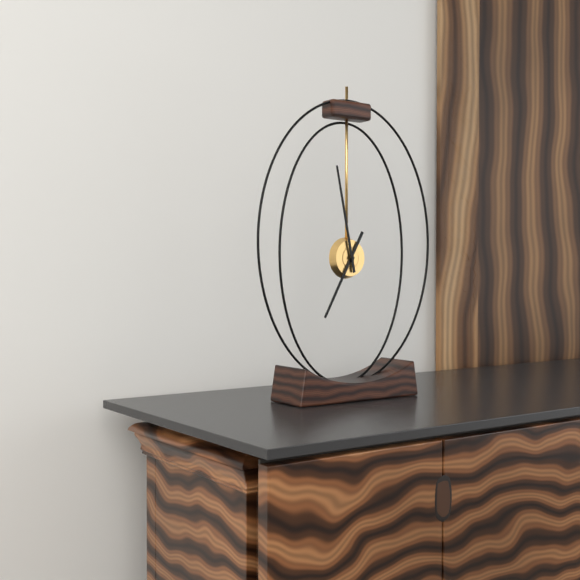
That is 6,58
